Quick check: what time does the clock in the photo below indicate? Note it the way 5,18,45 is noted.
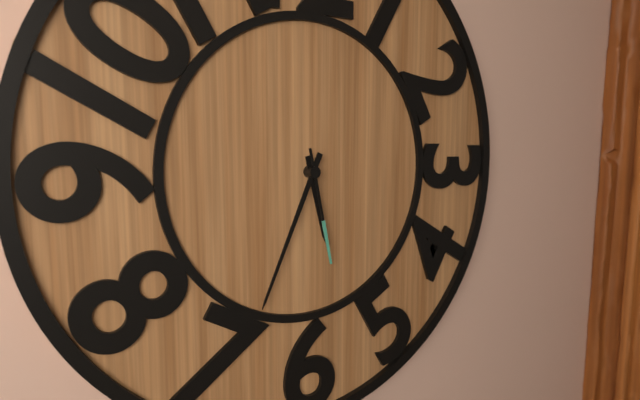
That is 5,34,28
